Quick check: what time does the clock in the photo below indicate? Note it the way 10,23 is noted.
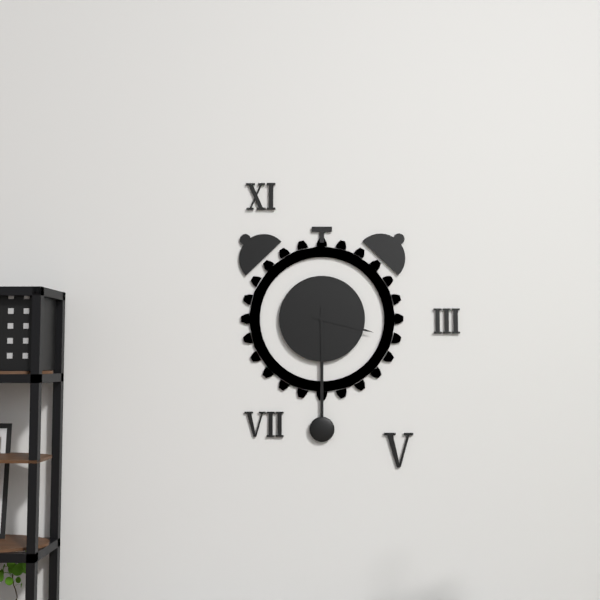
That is 3,30
